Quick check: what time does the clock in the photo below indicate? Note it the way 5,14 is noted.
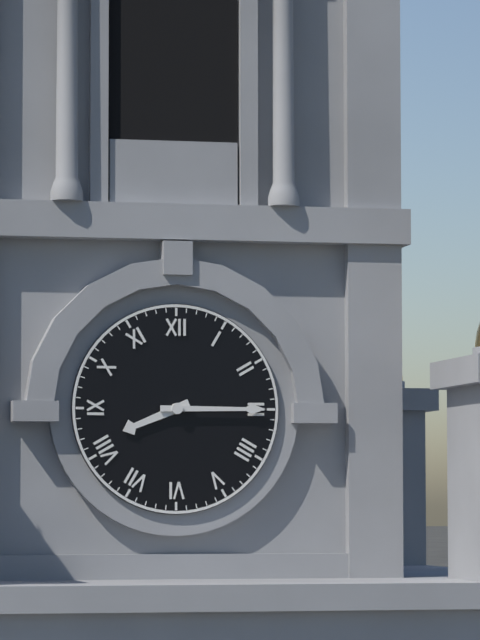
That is 8,15
